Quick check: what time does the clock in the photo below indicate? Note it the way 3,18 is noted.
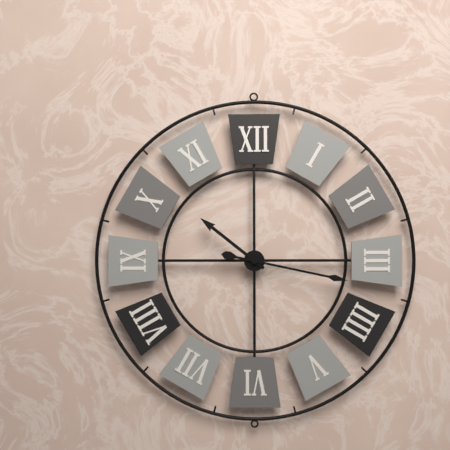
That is 10,17
